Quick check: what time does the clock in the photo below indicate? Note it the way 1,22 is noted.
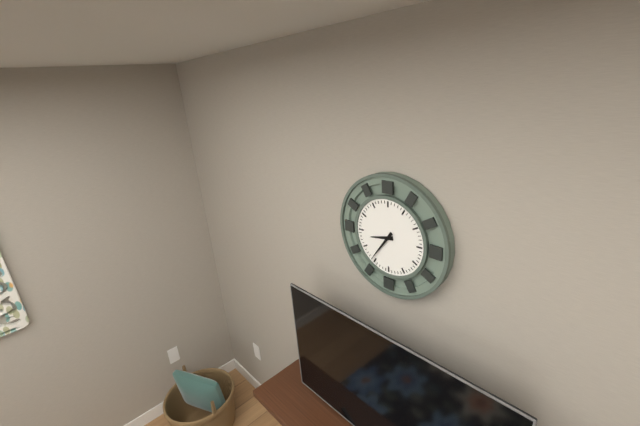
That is 8,36
